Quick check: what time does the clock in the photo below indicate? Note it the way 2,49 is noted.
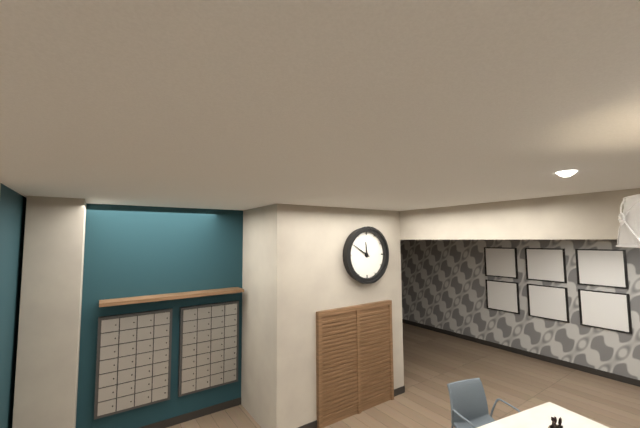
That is 11,50
